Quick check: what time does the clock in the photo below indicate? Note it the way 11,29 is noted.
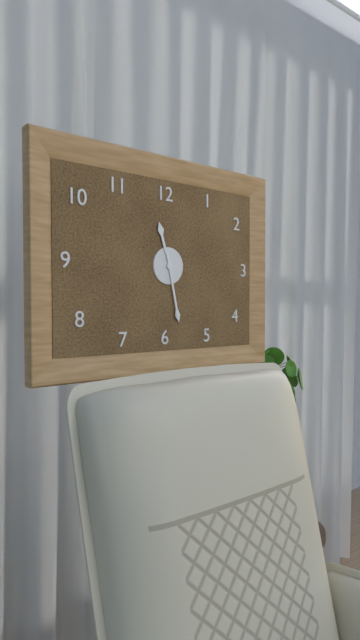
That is 11,28
